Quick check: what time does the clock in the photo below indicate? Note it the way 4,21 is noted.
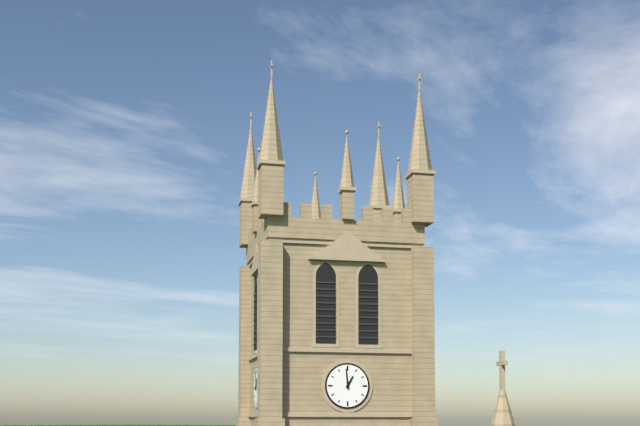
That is 12,59
